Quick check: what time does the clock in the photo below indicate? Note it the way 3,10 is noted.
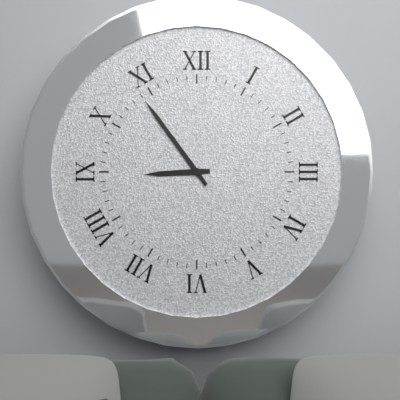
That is 8,54
